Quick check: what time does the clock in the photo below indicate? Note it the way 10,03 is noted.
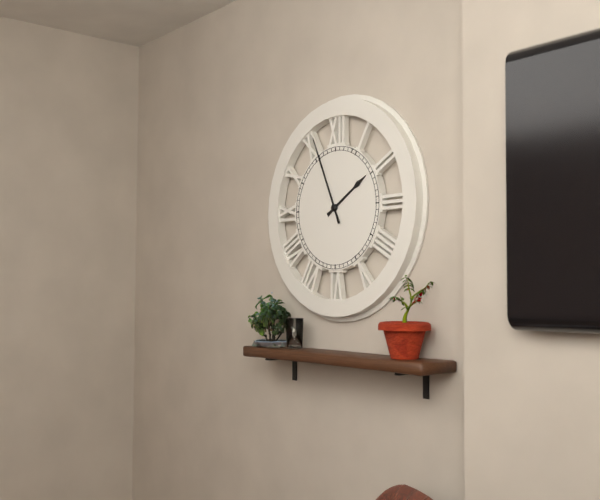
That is 1,56
